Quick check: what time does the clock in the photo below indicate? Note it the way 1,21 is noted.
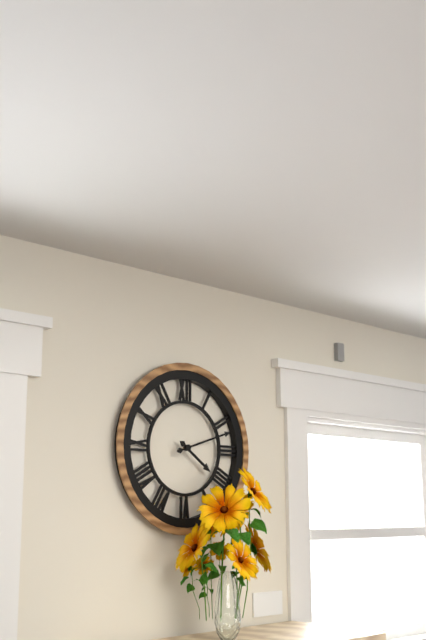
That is 4,12
